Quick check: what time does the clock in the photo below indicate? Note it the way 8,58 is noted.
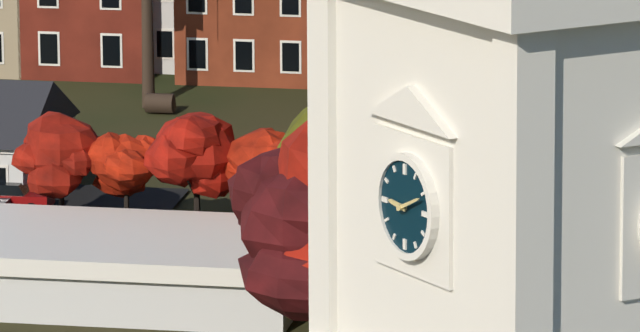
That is 9,11
